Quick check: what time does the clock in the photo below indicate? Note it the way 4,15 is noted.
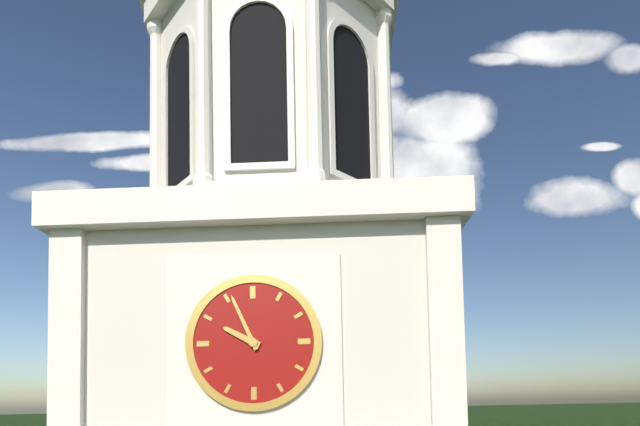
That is 9,56
